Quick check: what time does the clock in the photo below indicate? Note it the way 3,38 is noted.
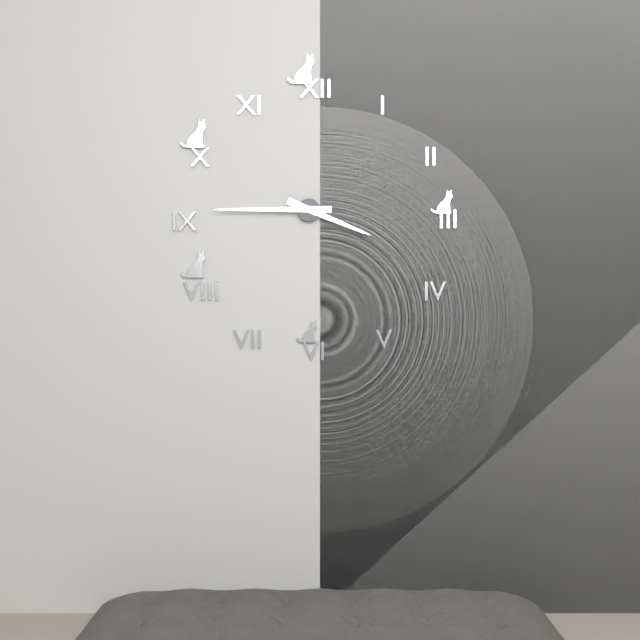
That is 3,45
